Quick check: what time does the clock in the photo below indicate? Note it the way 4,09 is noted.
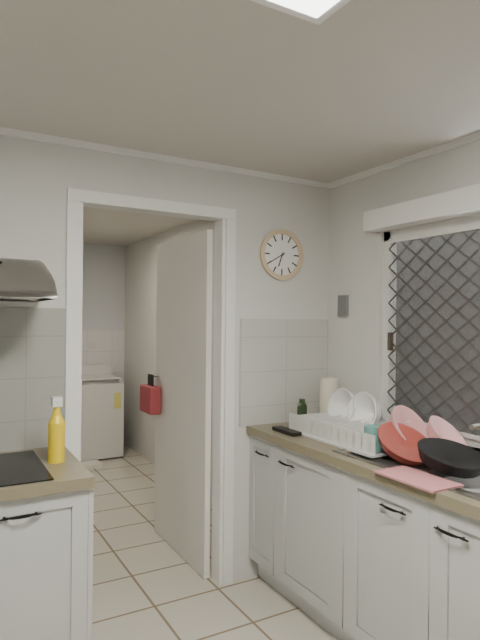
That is 6,40
